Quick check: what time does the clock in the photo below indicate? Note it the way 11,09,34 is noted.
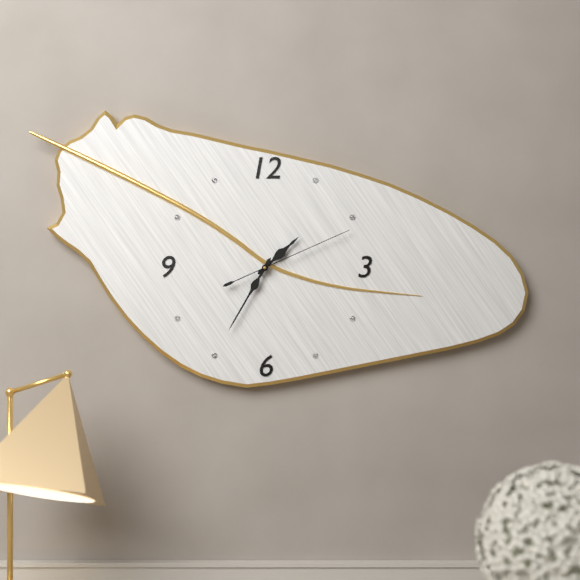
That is 1,35,11
